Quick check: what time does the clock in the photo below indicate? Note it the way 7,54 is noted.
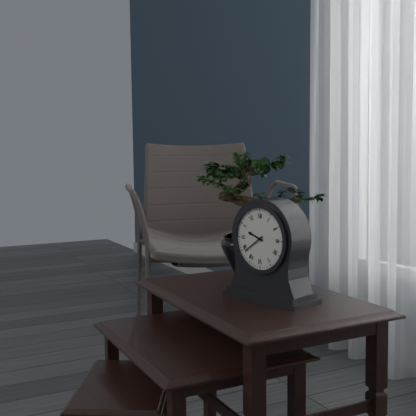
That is 9,39
